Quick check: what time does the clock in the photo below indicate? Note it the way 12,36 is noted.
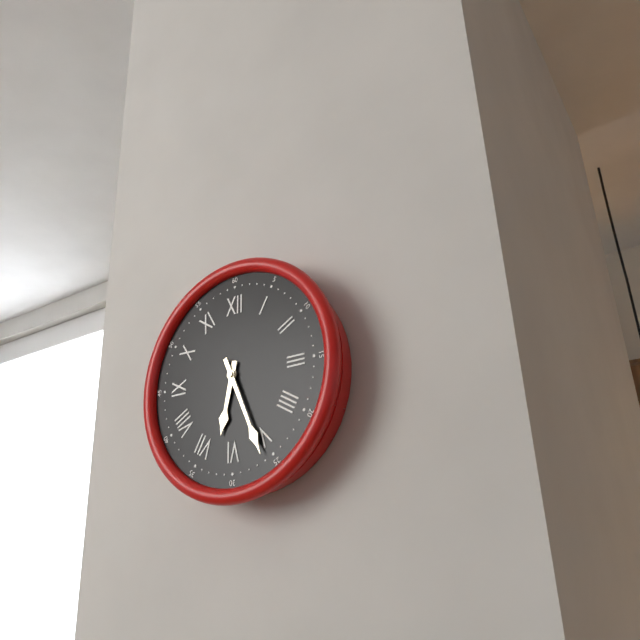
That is 6,26
